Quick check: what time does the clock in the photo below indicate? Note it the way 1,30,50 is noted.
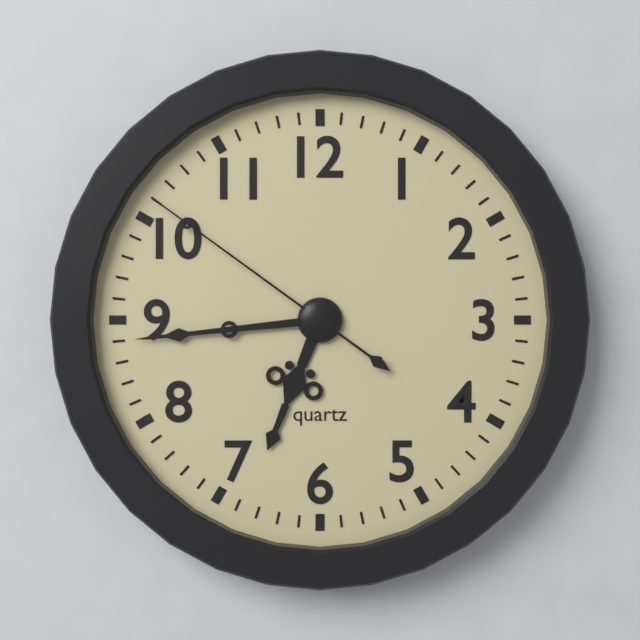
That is 6,44,51
